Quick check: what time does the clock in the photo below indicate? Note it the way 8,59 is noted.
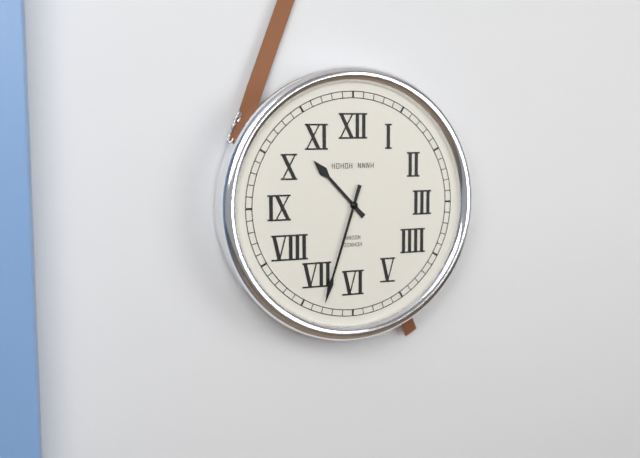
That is 10,33
